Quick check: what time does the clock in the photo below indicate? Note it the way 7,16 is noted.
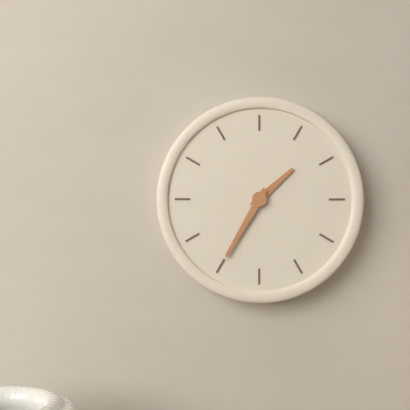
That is 1,35
